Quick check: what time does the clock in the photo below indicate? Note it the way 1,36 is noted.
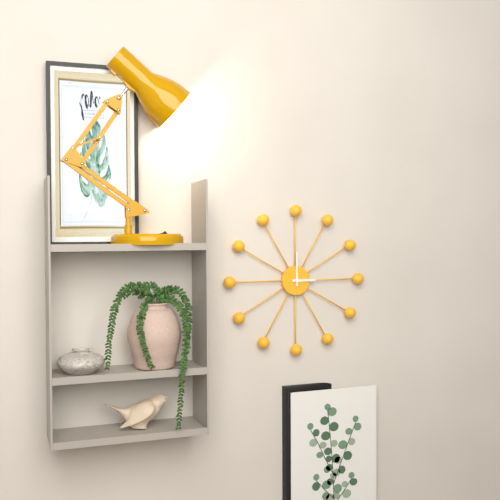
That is 3,00
